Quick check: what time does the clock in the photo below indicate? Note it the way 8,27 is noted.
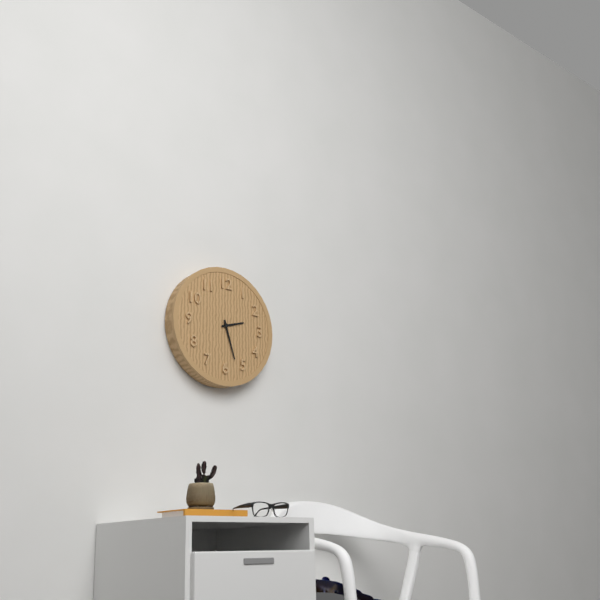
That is 2,27
